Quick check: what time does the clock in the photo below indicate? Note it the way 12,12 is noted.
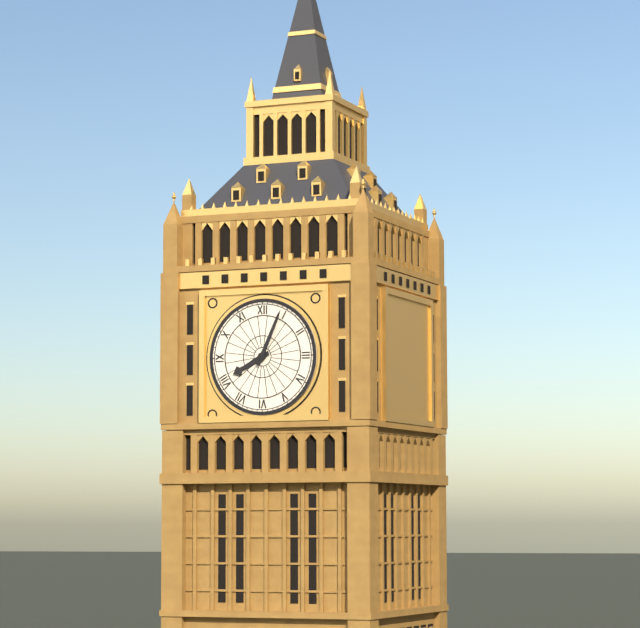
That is 8,04
